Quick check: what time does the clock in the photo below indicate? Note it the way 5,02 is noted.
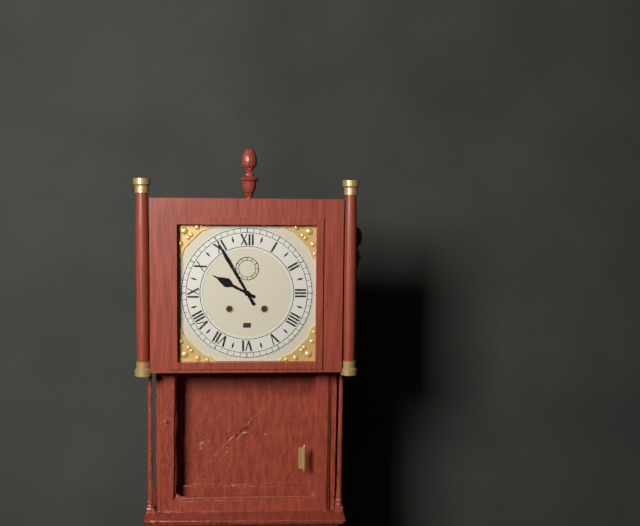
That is 9,55
